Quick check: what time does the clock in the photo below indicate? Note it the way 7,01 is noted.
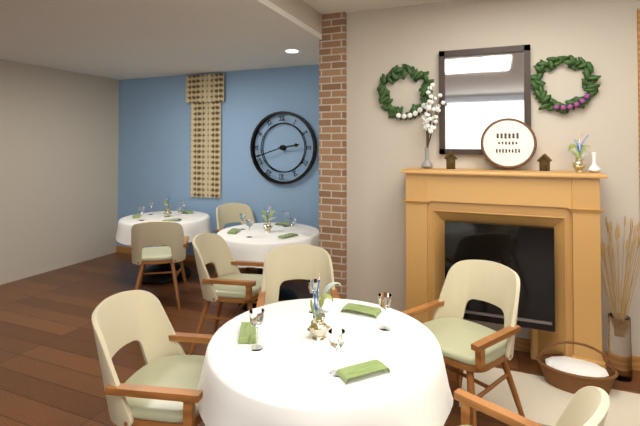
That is 2,42
